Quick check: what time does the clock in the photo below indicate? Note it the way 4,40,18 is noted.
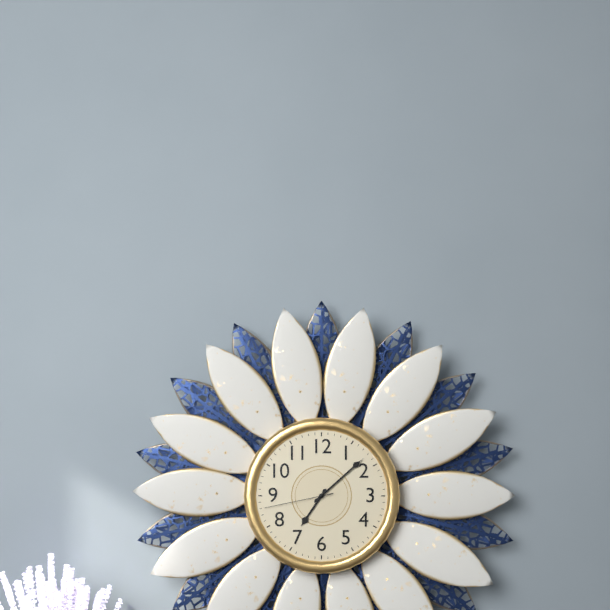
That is 7,08,43
